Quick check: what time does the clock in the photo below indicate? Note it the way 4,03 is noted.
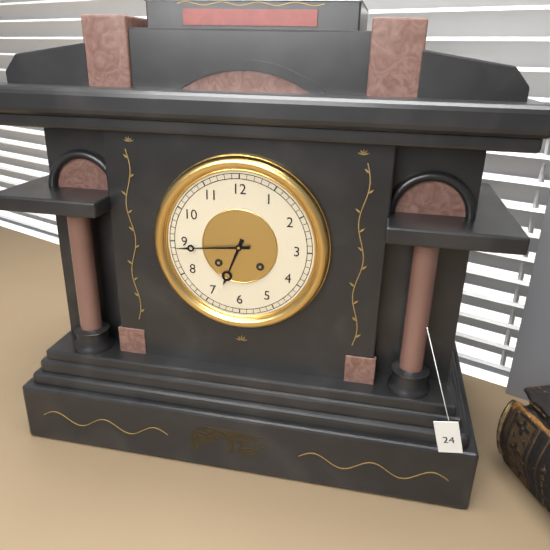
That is 6,44
